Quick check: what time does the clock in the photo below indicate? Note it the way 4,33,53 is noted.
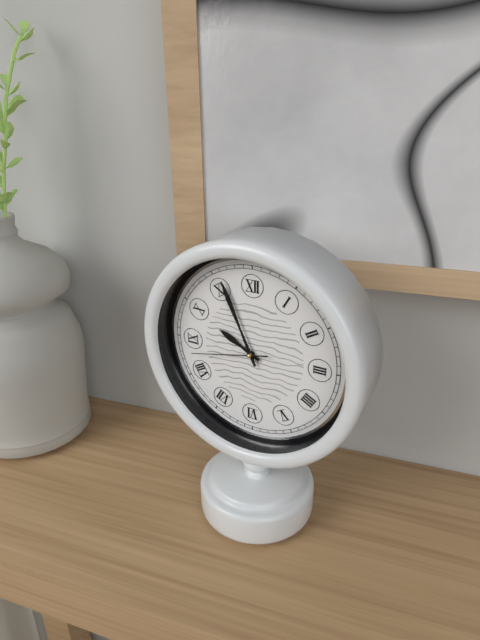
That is 9,56,43
